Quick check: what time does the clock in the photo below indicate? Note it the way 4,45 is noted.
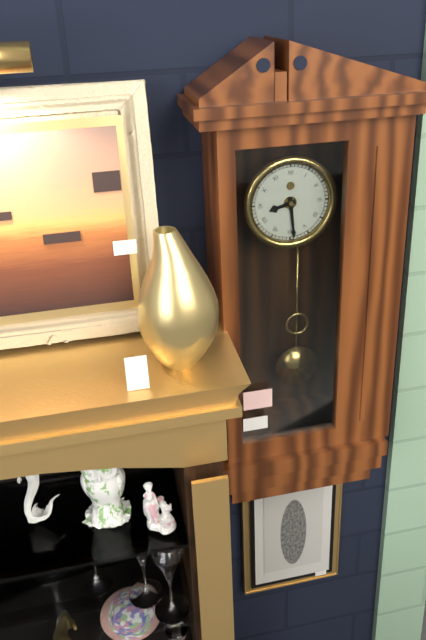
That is 8,29
